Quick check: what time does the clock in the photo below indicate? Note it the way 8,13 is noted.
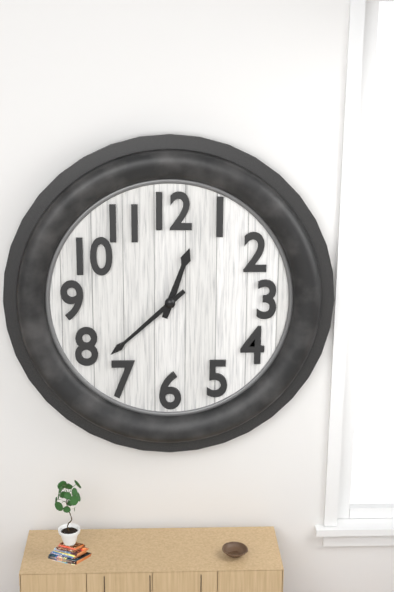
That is 12,38
